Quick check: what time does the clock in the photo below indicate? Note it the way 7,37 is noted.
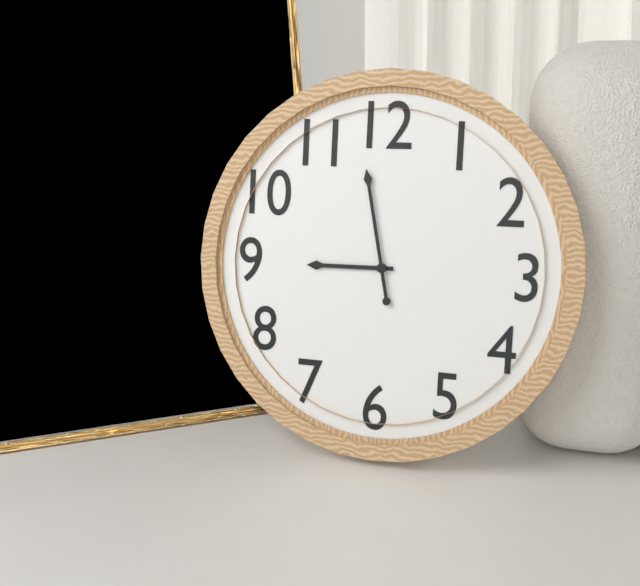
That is 8,58
